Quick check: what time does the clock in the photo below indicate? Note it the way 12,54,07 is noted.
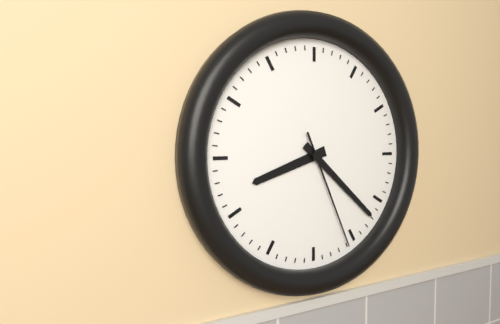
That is 8,22,26
